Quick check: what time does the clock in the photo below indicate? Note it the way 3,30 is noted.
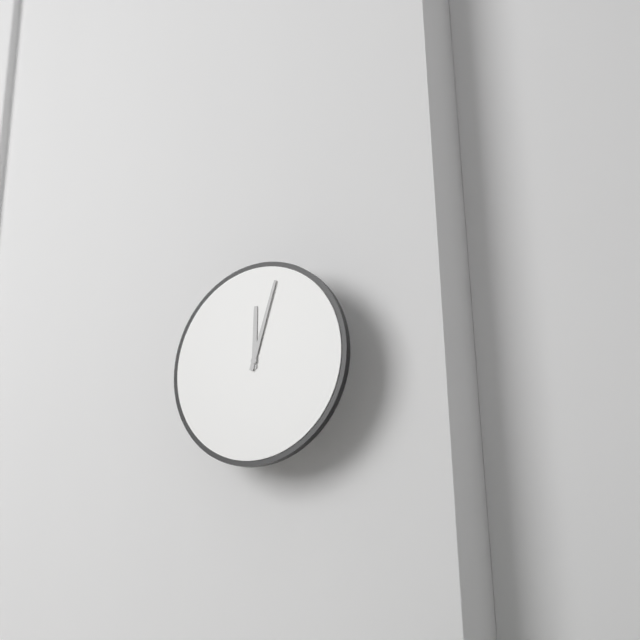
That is 12,03
